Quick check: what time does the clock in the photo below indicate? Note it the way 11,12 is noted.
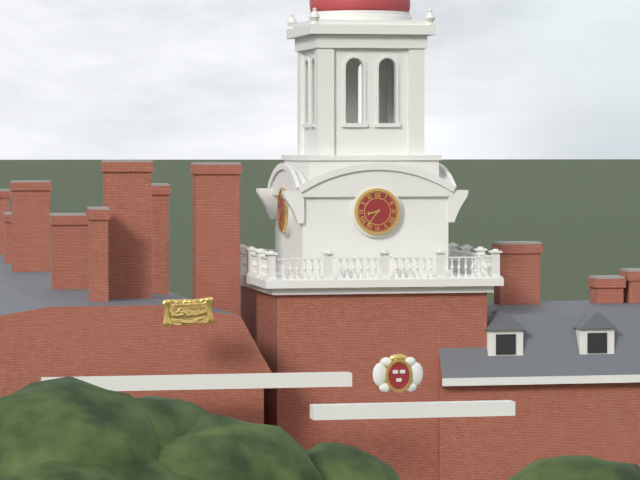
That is 8,36
